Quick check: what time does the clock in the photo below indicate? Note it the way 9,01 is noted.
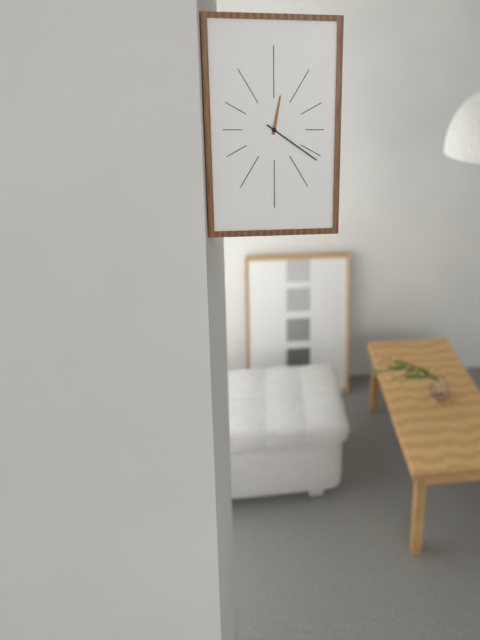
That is 12,21
